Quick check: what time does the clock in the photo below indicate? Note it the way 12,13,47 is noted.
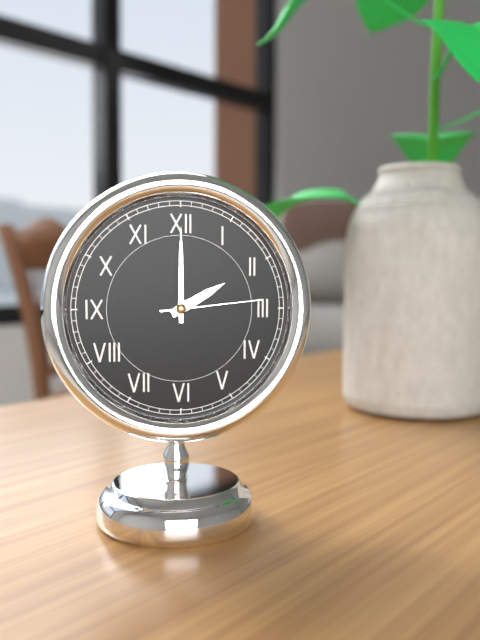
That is 2,00,14
